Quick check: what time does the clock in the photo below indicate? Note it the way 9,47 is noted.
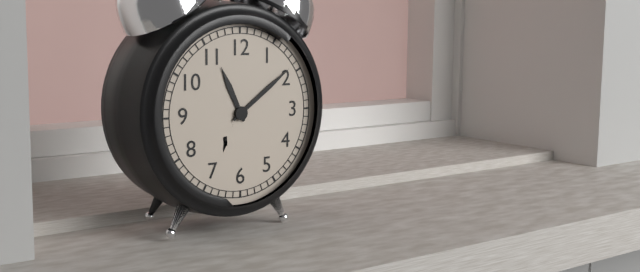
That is 11,09
